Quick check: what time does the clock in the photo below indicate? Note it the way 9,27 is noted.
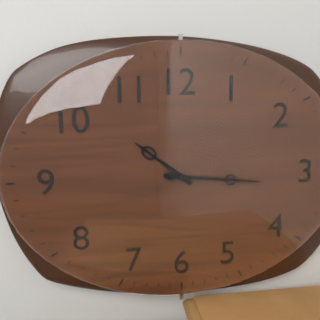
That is 10,16
